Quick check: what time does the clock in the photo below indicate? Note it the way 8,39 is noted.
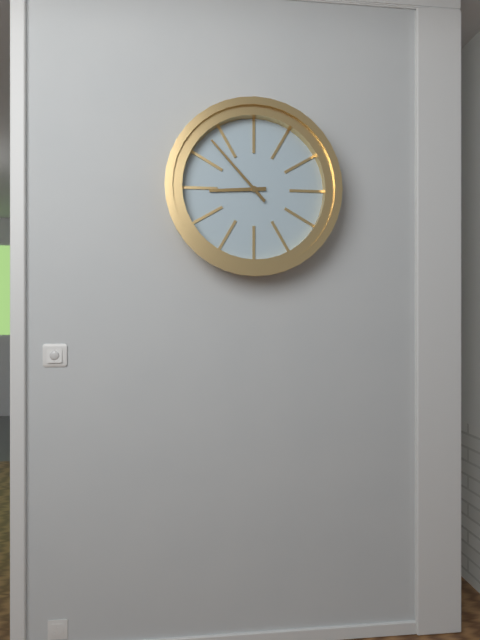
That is 8,53
